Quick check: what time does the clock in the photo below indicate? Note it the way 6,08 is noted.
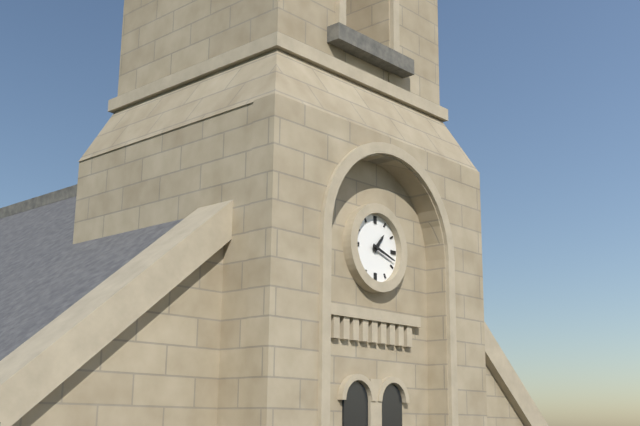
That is 1,18
